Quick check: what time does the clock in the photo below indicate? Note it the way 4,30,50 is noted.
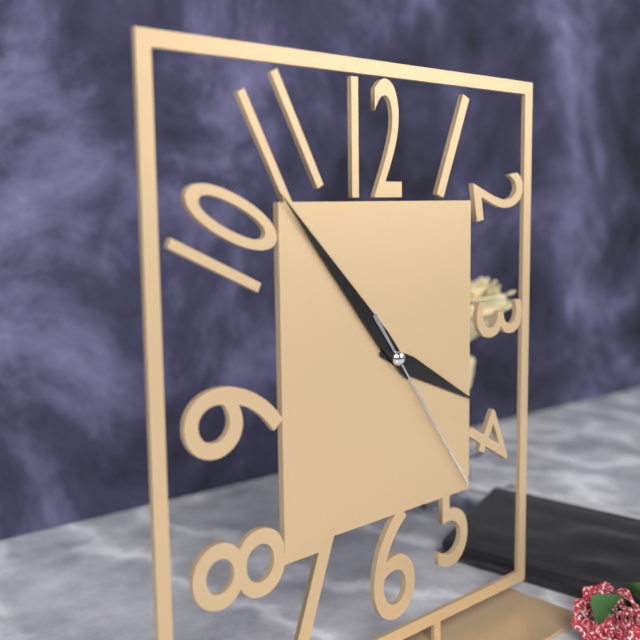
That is 3,53,24
